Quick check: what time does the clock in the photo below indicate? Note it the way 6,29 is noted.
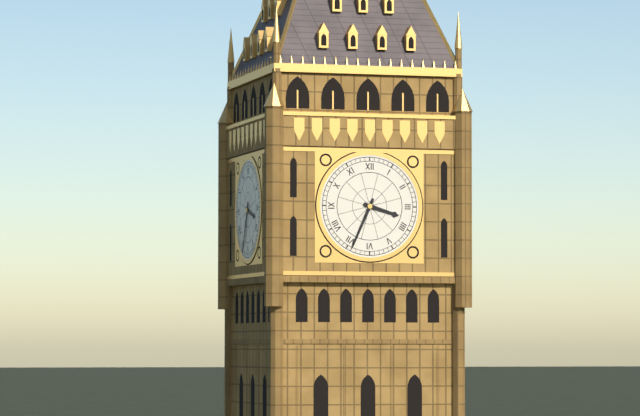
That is 3,34
